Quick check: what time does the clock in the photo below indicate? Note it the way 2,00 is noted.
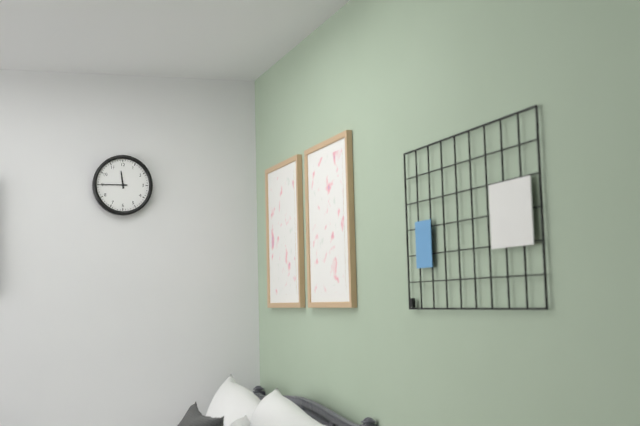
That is 11,45
